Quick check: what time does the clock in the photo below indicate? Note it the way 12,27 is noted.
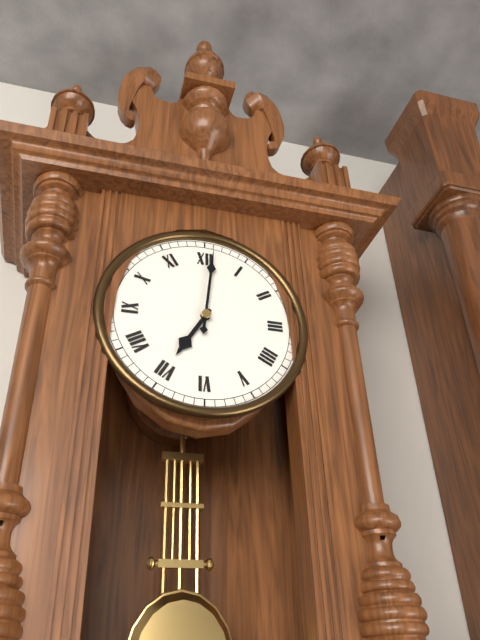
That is 7,01
